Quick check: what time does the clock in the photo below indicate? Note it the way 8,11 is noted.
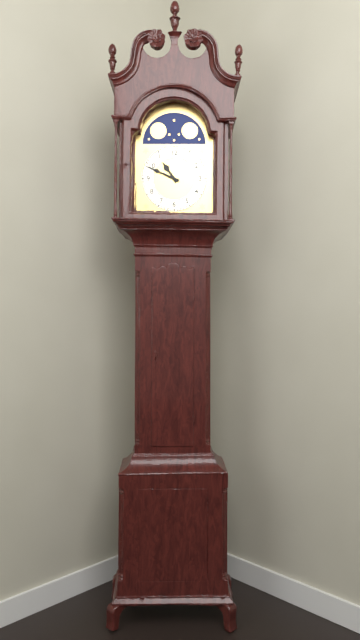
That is 10,49
